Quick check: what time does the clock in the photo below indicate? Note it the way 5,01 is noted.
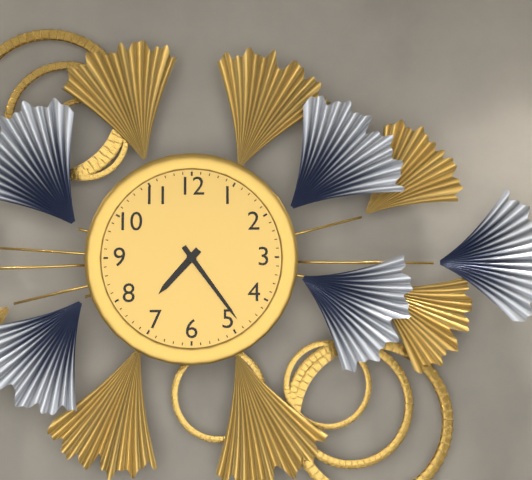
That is 7,24
